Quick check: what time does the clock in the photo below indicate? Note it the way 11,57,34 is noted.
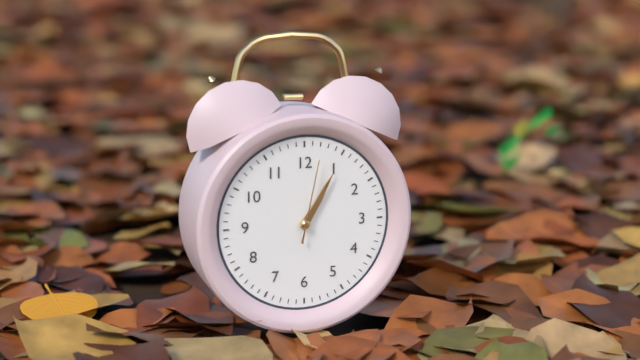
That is 1,05,02
